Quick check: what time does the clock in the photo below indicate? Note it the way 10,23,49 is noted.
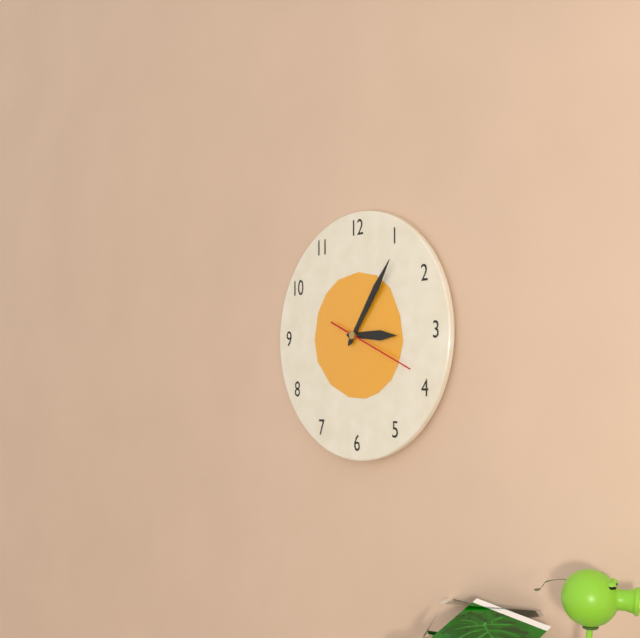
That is 3,06,19
